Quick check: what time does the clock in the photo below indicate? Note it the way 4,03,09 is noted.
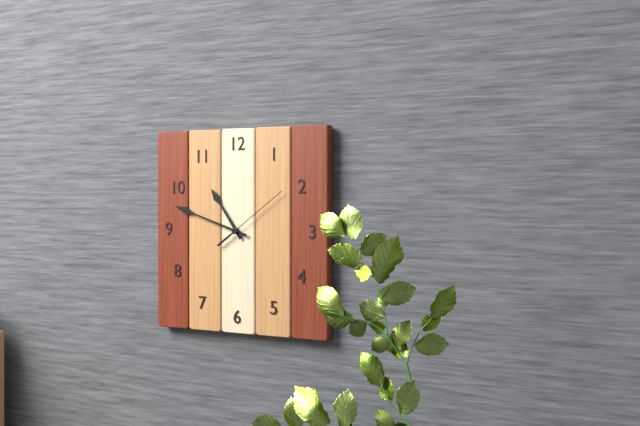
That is 10,48,09
